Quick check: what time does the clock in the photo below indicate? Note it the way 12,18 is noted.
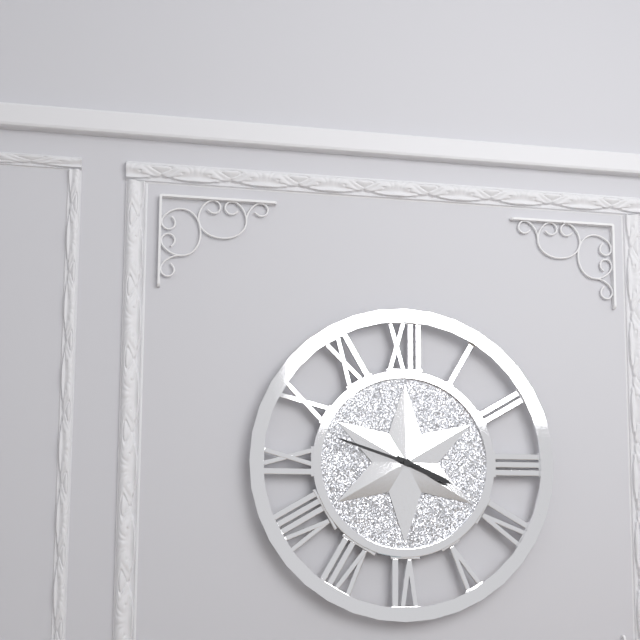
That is 3,48
